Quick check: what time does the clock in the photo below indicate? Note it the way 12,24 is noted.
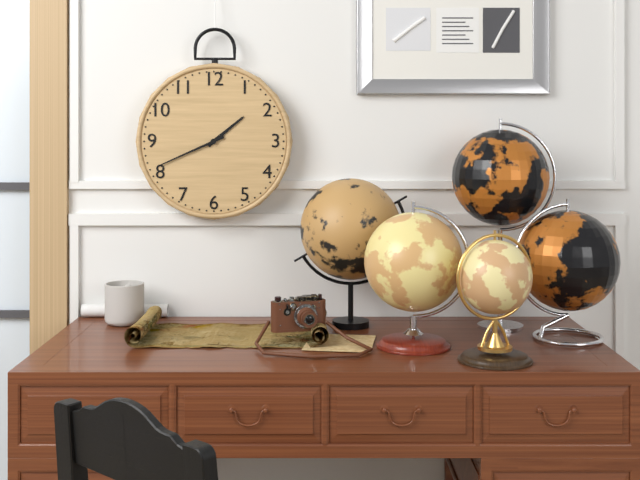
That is 1,41
